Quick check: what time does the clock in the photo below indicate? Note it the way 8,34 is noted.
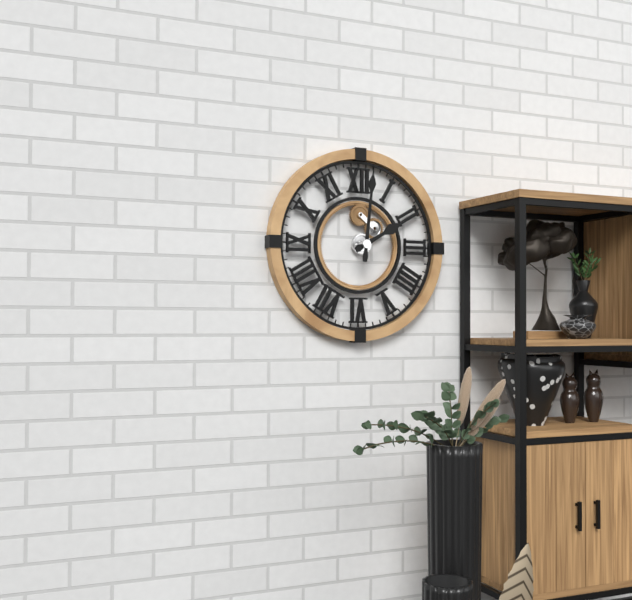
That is 2,01
